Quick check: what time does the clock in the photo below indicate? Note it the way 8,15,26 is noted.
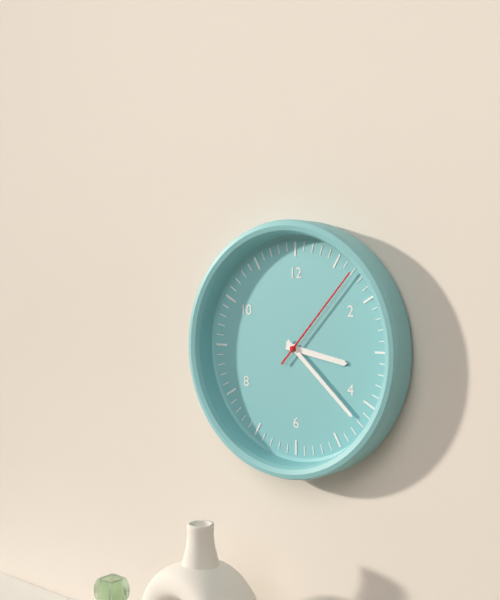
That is 3,22,07
